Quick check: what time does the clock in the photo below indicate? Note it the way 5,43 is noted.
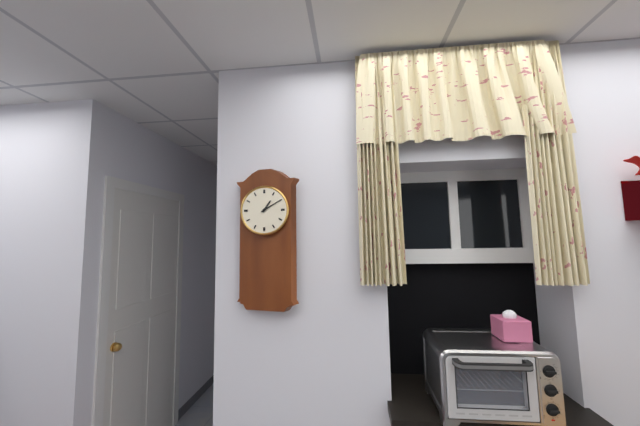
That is 1,10
